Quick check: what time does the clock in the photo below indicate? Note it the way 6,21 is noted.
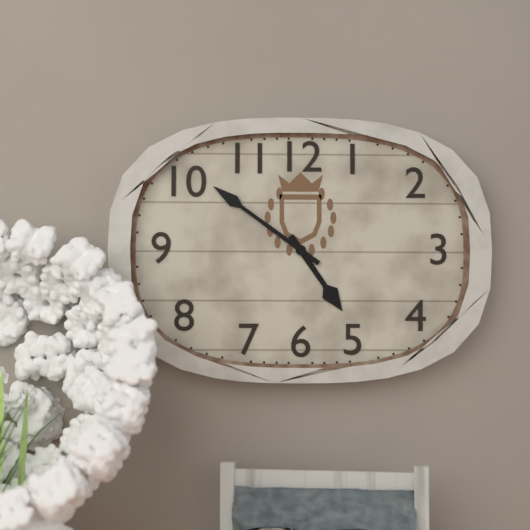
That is 4,51
